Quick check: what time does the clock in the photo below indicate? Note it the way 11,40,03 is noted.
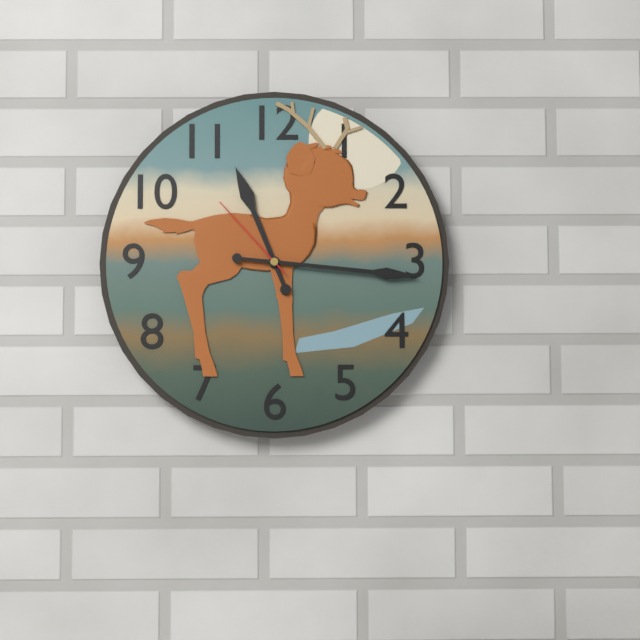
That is 11,16,53
